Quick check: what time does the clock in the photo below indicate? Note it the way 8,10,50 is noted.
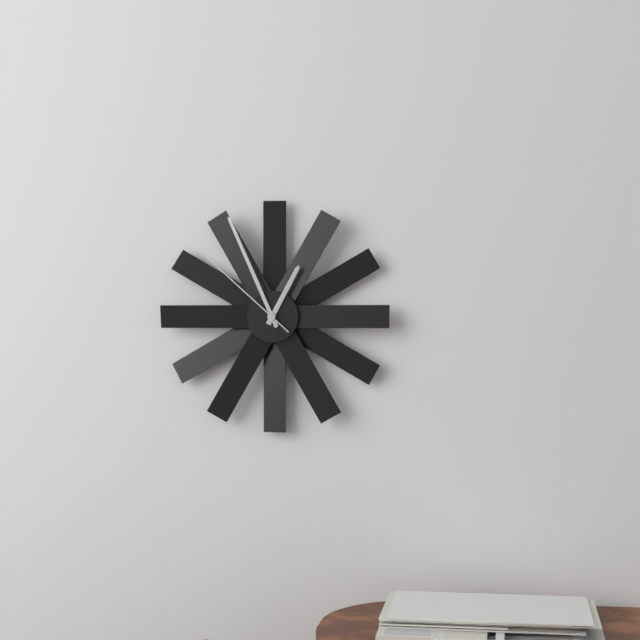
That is 12,56,52
